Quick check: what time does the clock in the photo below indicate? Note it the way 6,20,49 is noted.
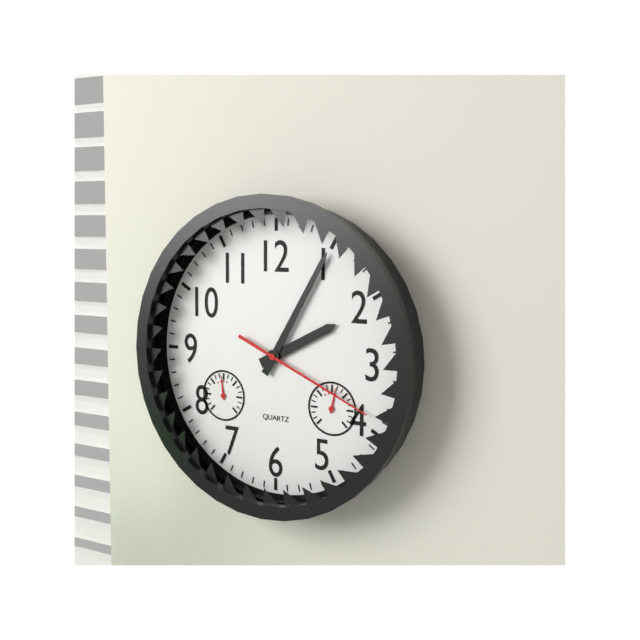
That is 2,05,19
